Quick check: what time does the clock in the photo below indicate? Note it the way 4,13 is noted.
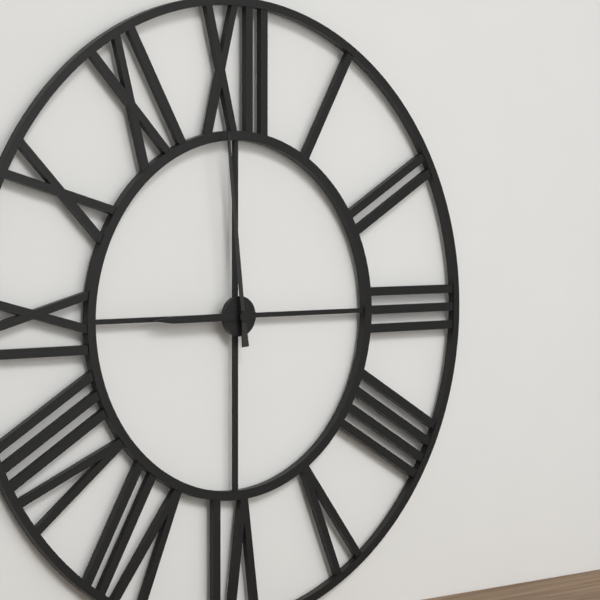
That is 8,59
